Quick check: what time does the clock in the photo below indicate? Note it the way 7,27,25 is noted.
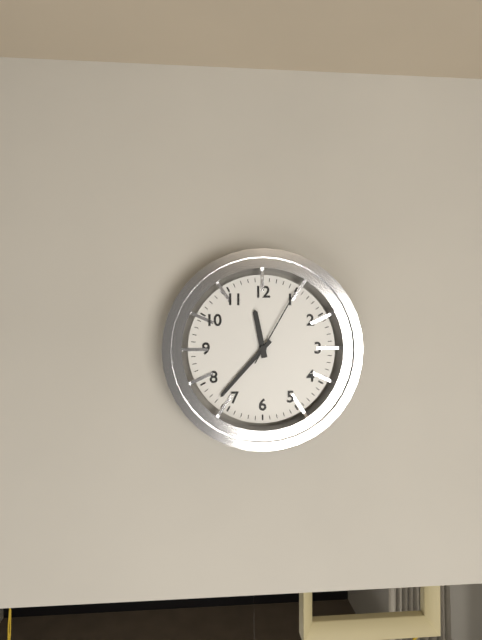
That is 11,37,05
